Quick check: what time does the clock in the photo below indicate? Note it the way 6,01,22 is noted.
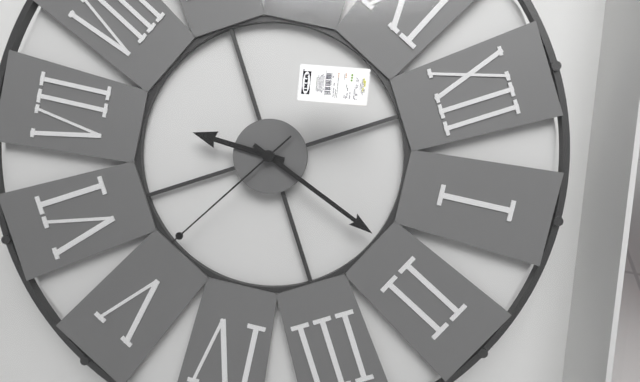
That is 7,09,26
